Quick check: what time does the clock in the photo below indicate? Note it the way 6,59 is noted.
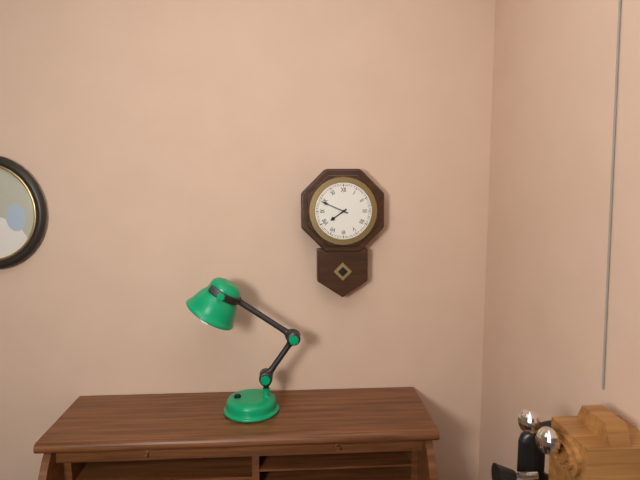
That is 7,49
